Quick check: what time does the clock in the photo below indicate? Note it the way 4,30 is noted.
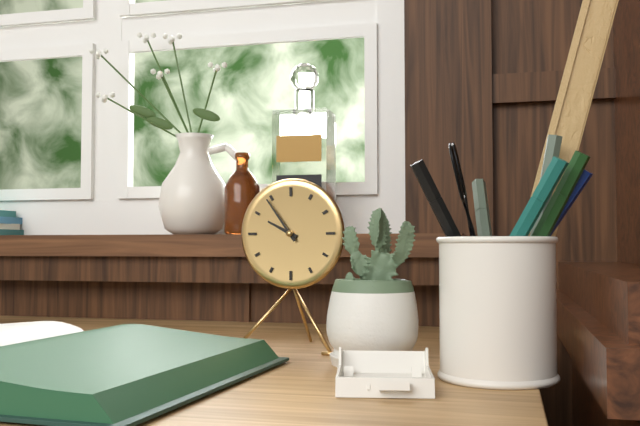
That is 9,54
